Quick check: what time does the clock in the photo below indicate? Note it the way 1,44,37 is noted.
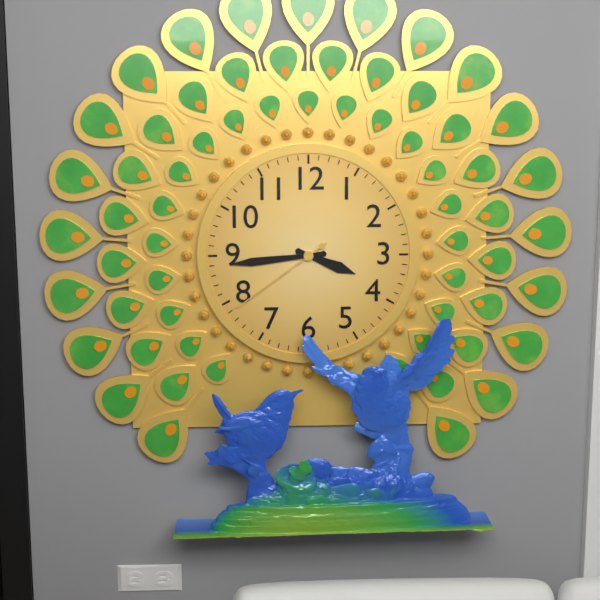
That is 3,44,39
